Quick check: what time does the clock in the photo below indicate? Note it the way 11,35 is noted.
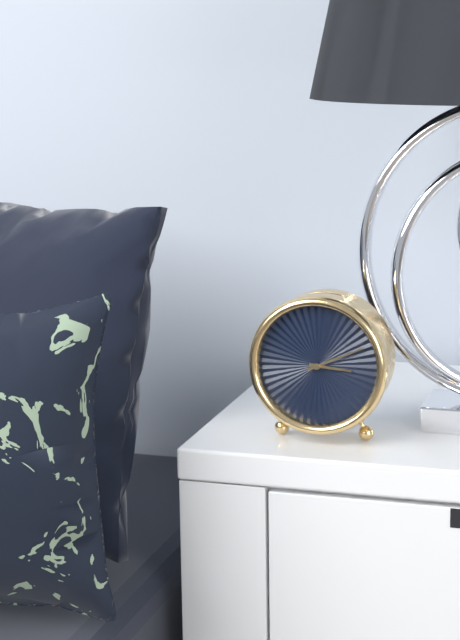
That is 3,11
